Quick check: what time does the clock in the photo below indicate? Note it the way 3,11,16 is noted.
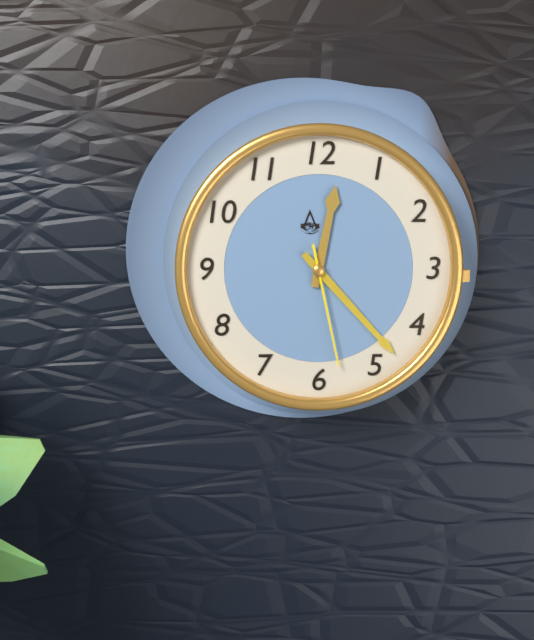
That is 12,23,28
